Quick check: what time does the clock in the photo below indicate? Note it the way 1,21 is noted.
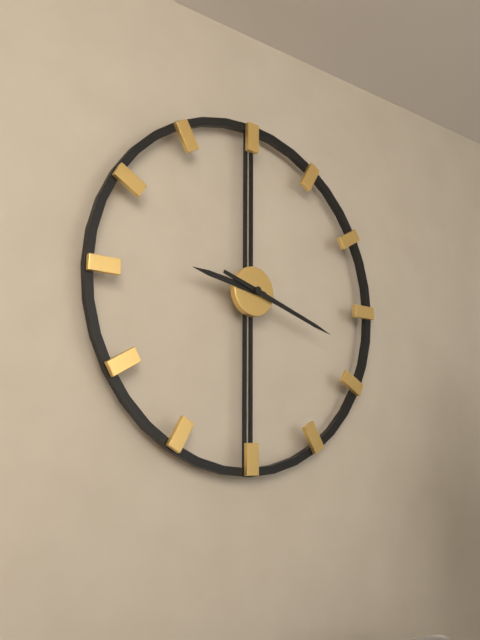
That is 9,18
